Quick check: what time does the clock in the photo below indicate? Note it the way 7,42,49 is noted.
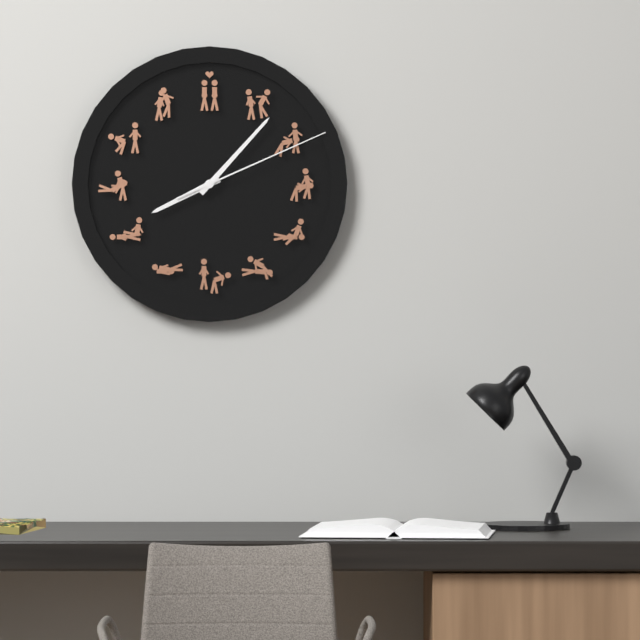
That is 8,07,11
